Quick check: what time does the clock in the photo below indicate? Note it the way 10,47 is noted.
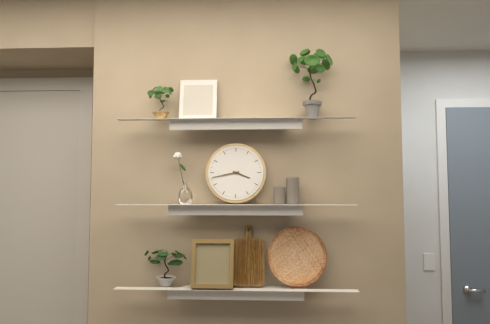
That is 3,43
